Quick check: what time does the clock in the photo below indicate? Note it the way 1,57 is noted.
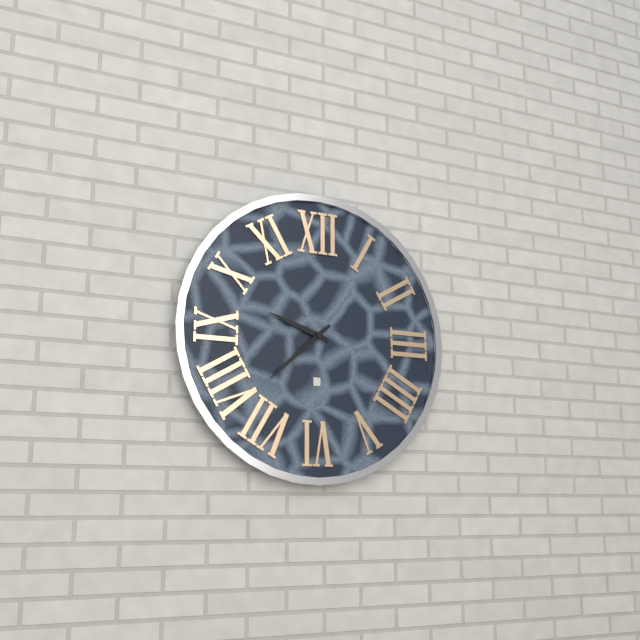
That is 9,38
